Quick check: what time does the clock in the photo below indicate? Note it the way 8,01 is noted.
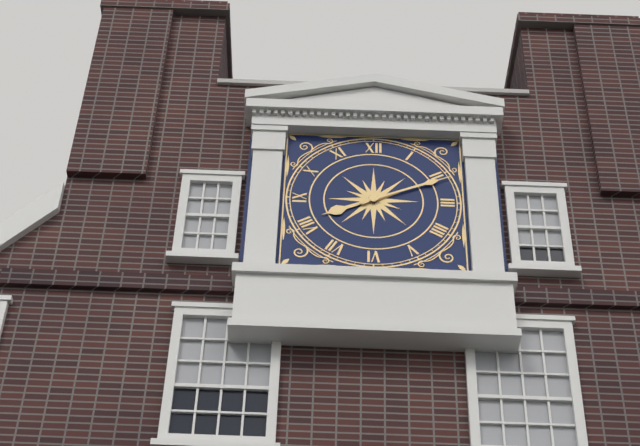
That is 8,11
